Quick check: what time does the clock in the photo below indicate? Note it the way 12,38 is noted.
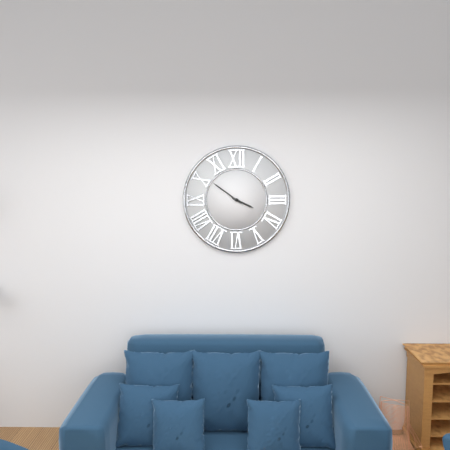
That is 3,51
